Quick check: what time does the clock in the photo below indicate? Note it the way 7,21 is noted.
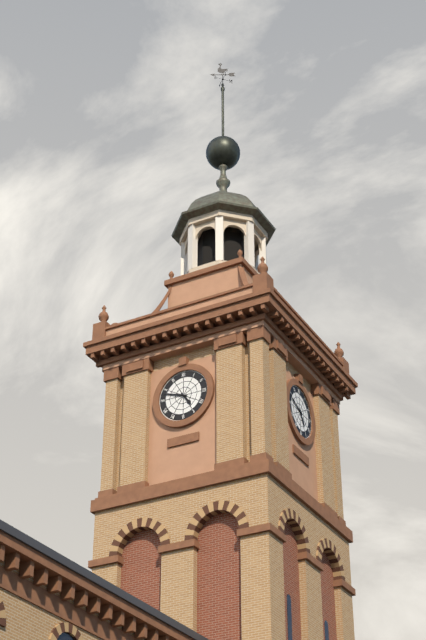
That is 4,48
